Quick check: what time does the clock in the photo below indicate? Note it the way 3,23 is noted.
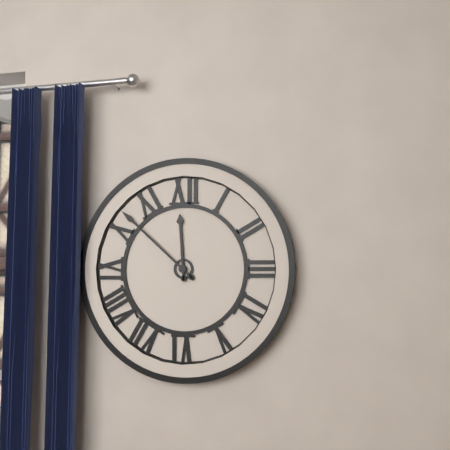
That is 11,52
